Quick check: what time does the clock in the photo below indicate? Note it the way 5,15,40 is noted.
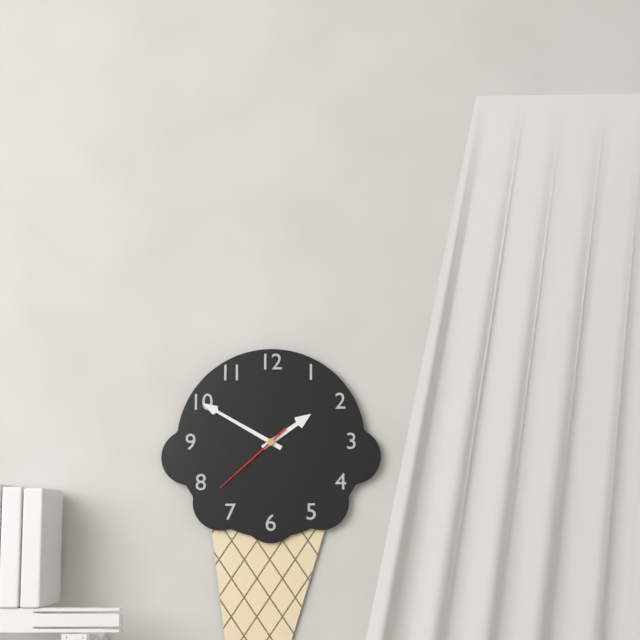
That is 1,50,38
